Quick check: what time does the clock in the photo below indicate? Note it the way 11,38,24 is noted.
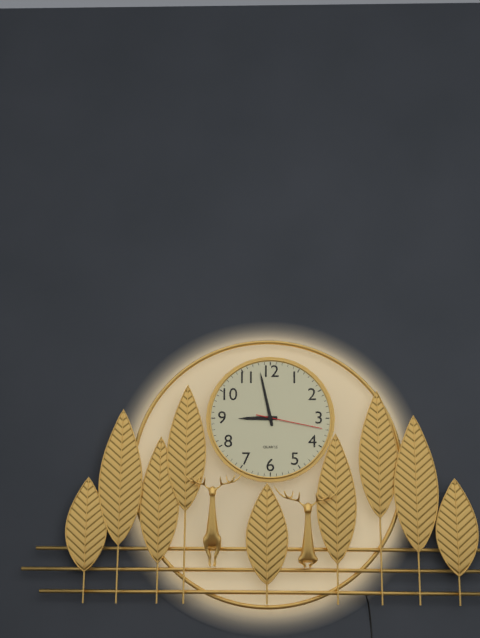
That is 8,58,17
